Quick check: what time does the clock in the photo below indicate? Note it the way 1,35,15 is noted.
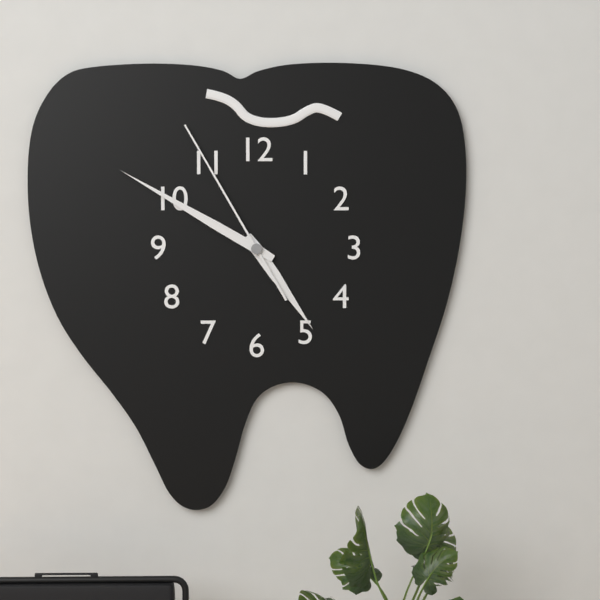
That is 4,50,55
